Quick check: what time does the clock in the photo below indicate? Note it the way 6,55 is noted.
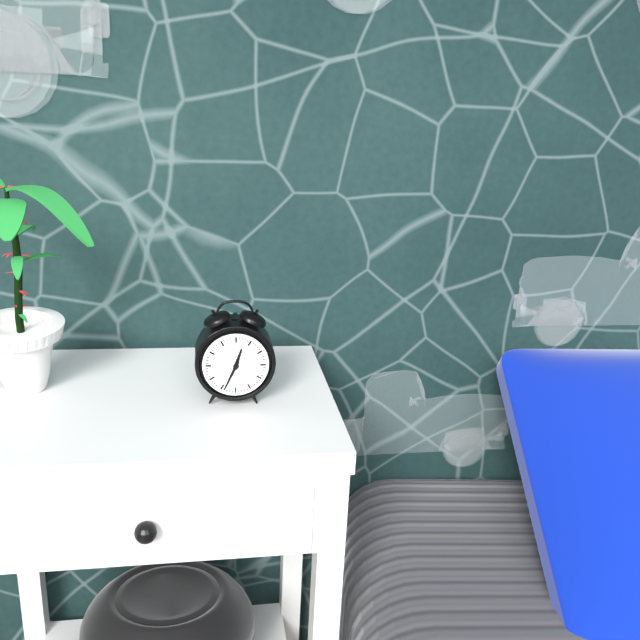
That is 12,34
